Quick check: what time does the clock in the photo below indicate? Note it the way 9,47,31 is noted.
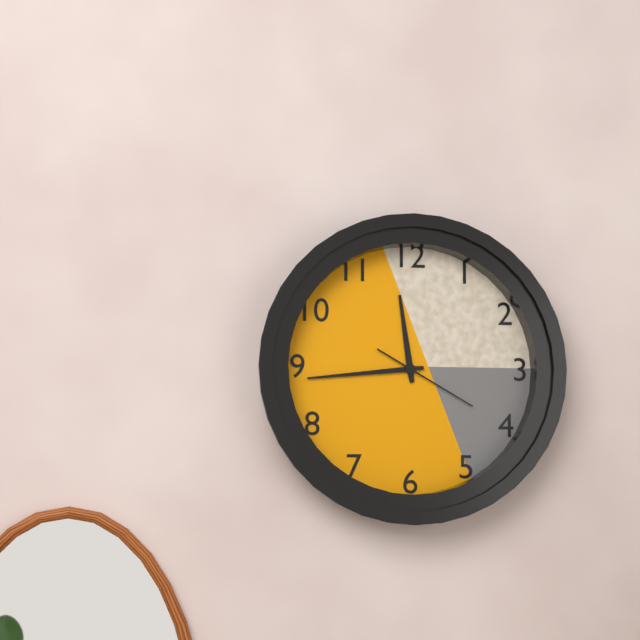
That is 11,44,20
